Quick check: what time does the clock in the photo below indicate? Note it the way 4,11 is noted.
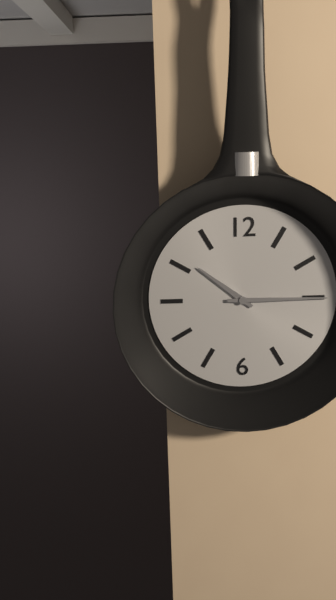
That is 10,15
